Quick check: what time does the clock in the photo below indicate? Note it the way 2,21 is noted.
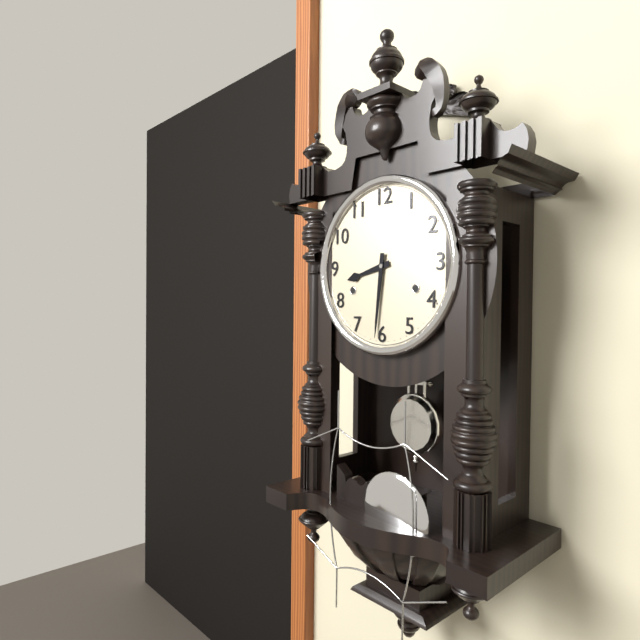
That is 8,31
